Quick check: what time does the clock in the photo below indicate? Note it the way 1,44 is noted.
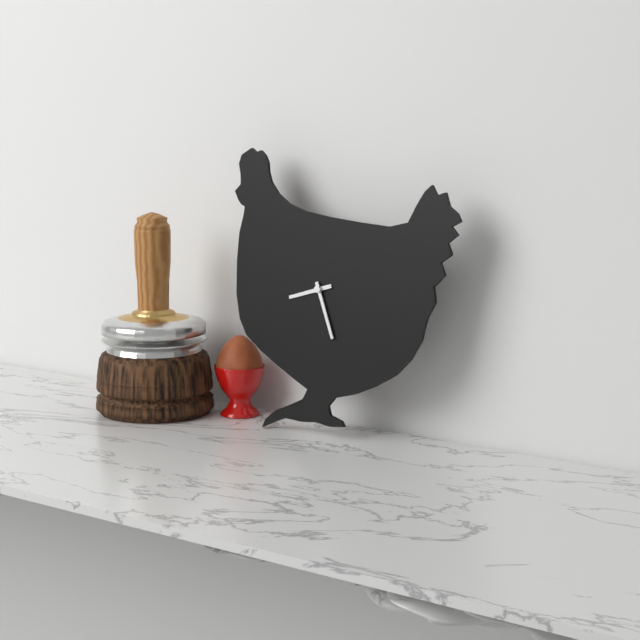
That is 8,26
